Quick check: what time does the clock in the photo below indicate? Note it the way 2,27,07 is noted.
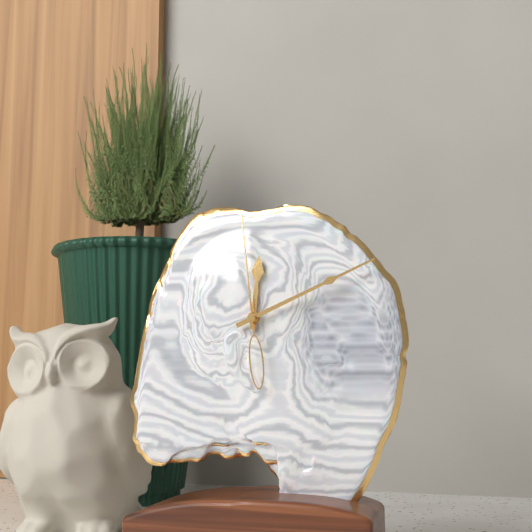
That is 12,11,59
